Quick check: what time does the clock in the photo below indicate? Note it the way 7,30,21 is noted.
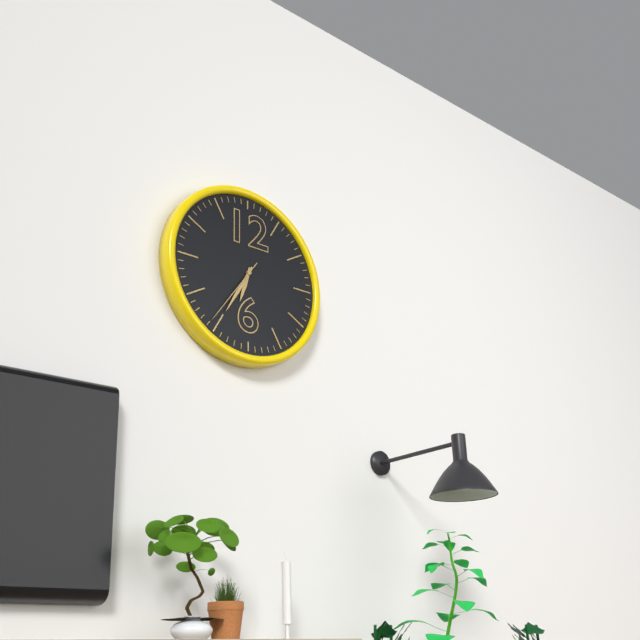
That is 6,35,36
